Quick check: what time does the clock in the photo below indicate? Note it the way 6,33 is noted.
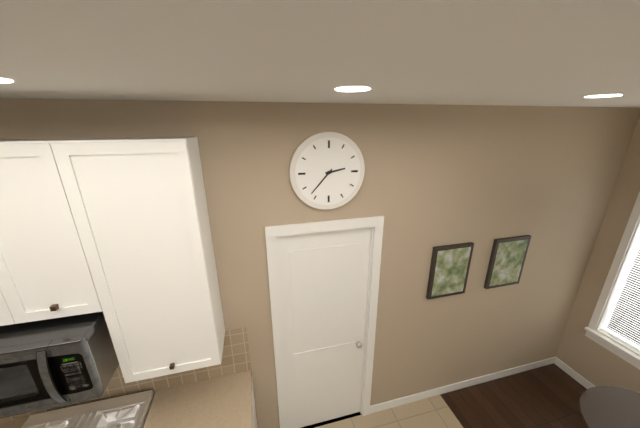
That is 2,37
